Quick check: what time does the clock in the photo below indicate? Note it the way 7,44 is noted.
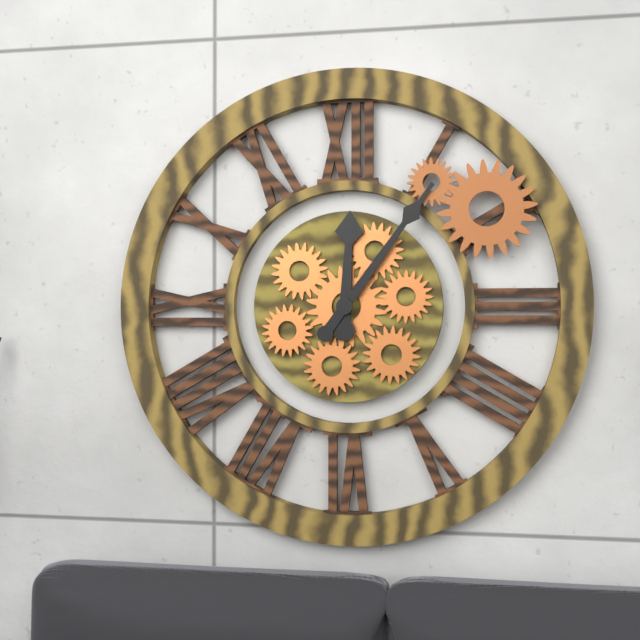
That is 12,06
